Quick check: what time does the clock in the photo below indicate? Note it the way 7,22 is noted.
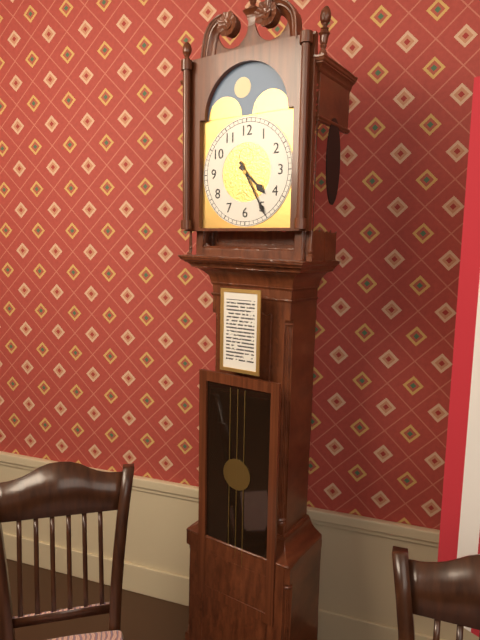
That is 4,25
